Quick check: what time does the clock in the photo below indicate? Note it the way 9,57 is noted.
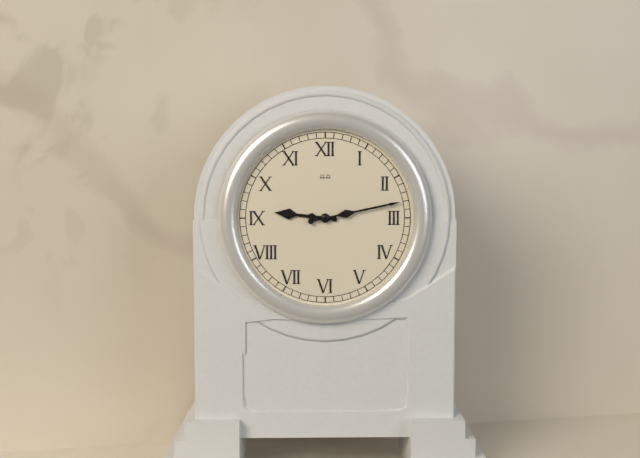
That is 9,13
